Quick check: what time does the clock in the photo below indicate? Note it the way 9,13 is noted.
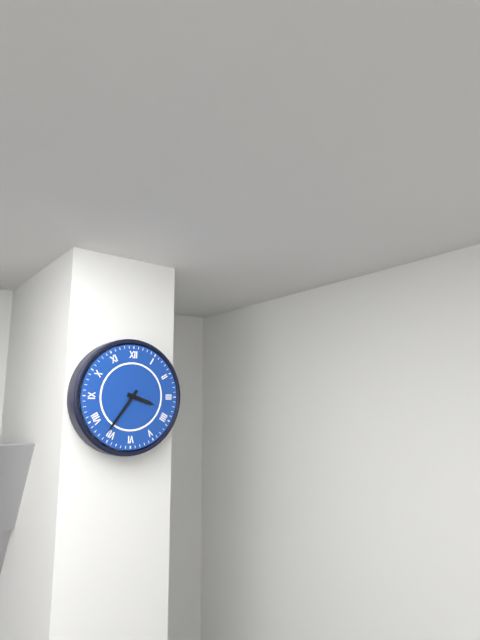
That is 3,36
